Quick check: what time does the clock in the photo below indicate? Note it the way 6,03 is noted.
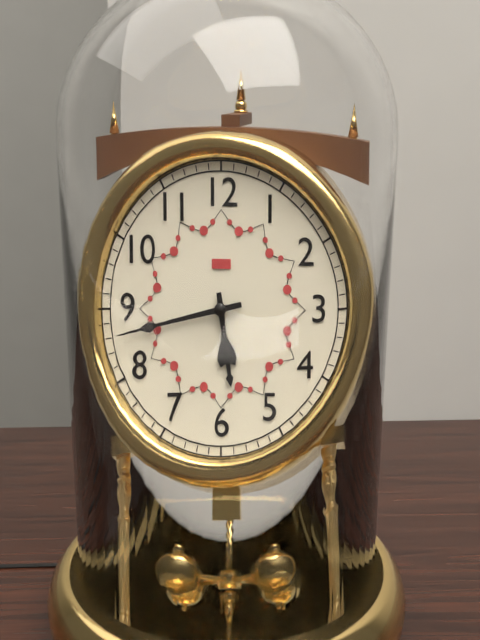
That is 5,43
